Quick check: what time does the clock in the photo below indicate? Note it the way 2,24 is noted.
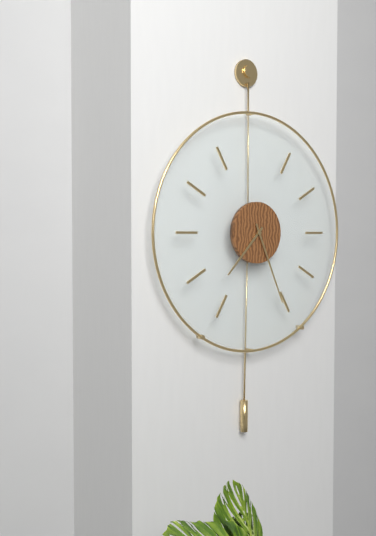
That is 7,26
